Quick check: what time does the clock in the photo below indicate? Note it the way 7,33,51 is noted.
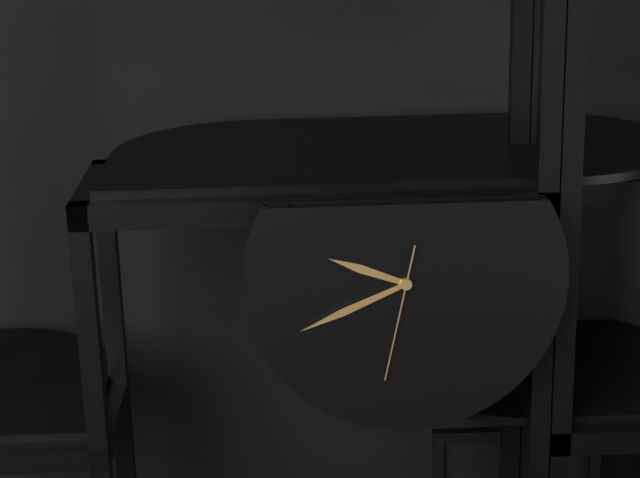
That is 9,41,32
